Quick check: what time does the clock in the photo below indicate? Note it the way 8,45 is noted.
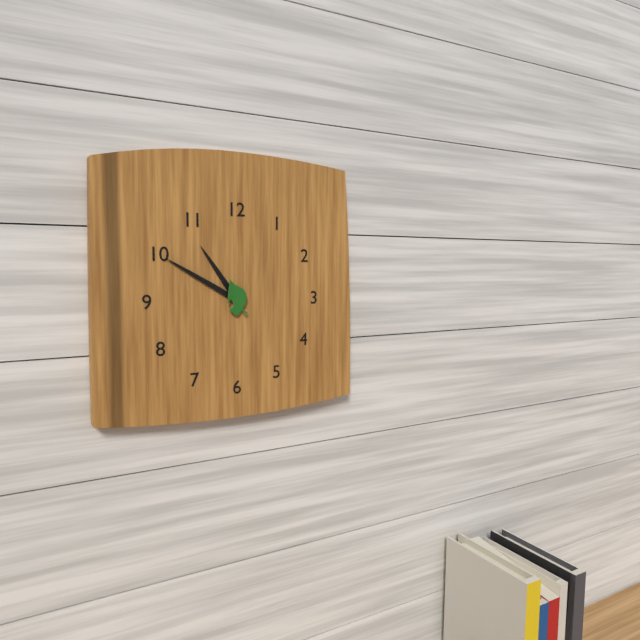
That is 10,50
